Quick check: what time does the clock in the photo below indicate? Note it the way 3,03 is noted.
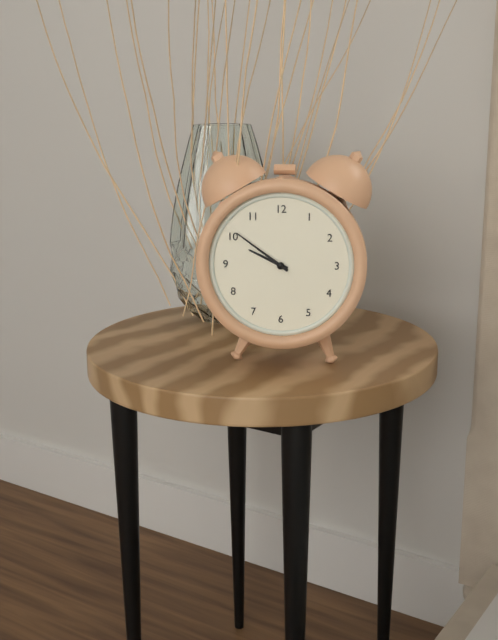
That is 9,51
